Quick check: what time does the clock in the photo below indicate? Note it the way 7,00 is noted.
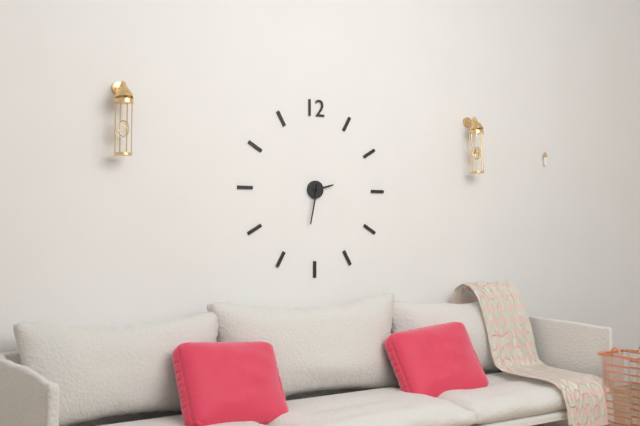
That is 2,32
